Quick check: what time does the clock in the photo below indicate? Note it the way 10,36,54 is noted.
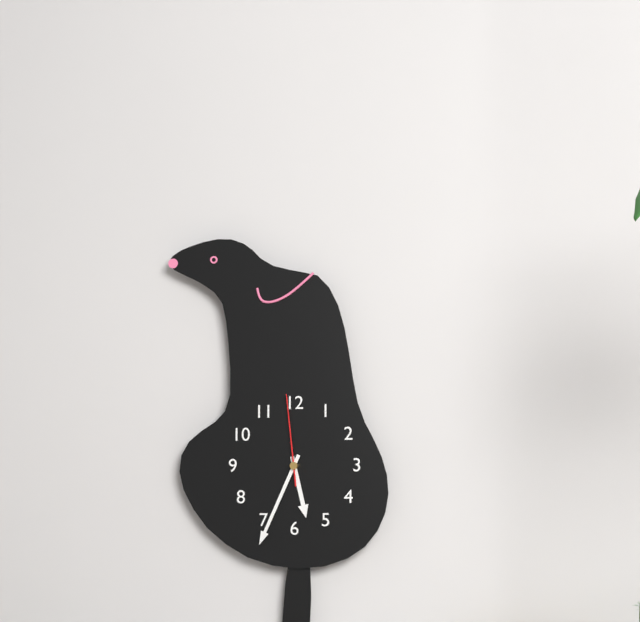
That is 5,34,59
